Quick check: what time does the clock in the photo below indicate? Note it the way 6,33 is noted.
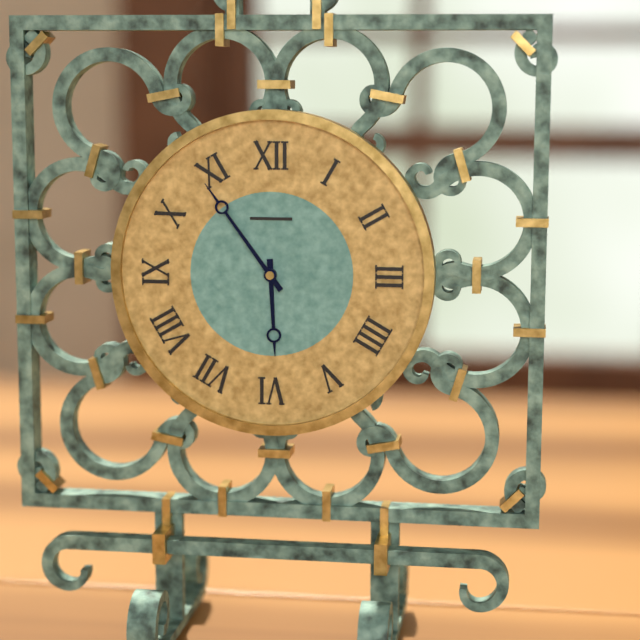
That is 5,54
